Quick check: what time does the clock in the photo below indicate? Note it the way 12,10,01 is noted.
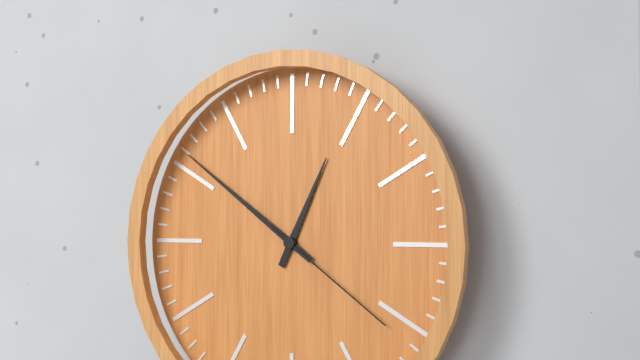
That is 12,51,21
